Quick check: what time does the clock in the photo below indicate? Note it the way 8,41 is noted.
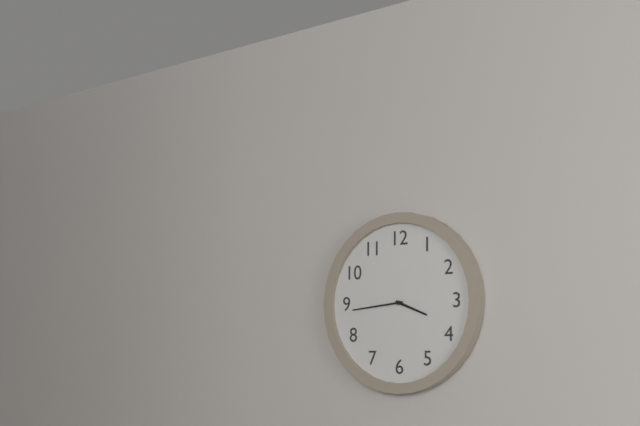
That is 3,44
